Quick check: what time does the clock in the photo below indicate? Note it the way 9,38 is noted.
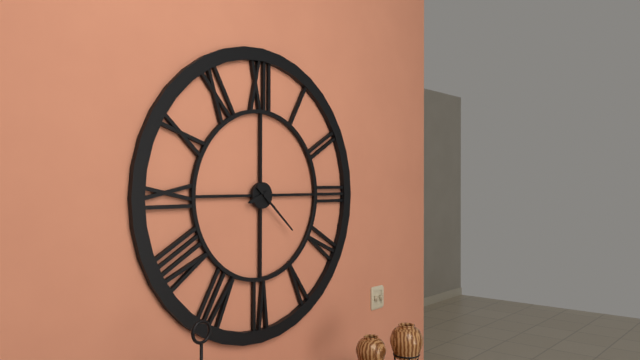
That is 8,22
